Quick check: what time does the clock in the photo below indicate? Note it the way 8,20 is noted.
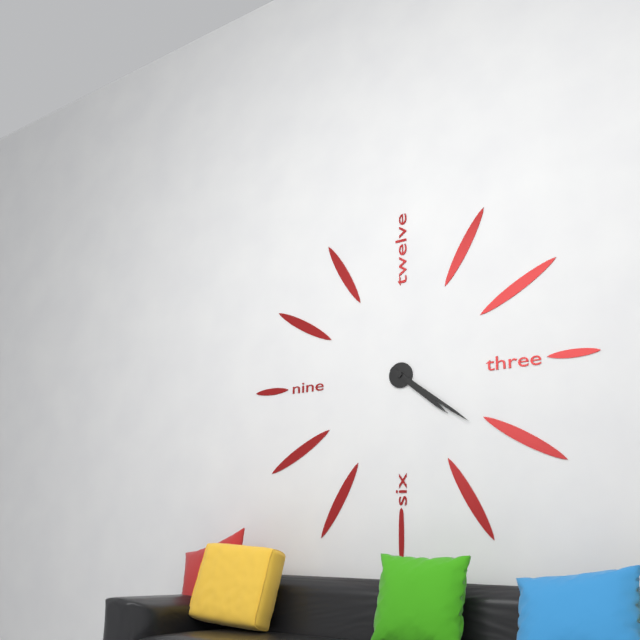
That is 4,21
